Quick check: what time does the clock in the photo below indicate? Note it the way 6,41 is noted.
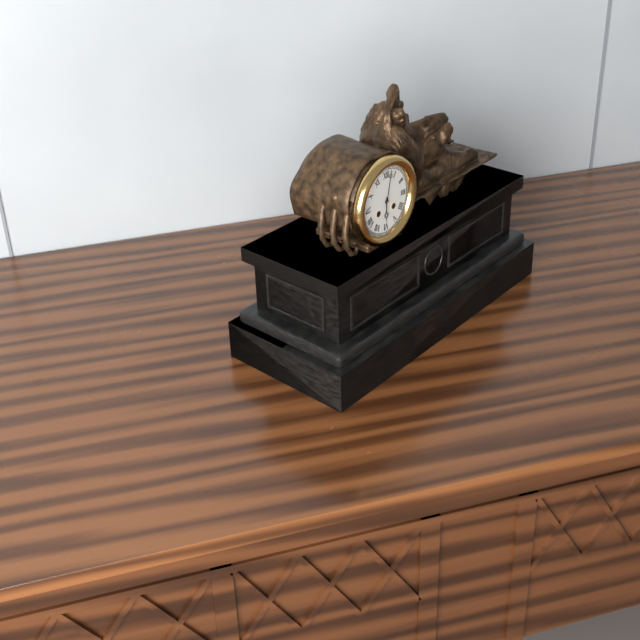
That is 6,02
